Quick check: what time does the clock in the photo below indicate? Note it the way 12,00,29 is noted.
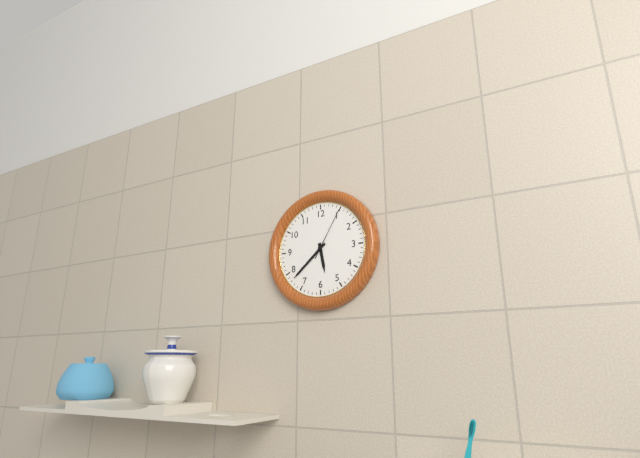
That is 5,38,05
